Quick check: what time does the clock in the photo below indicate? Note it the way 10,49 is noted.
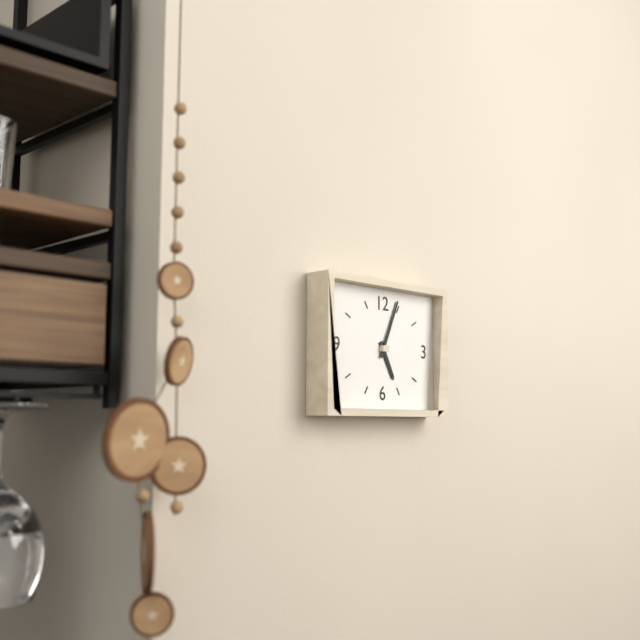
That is 5,04
